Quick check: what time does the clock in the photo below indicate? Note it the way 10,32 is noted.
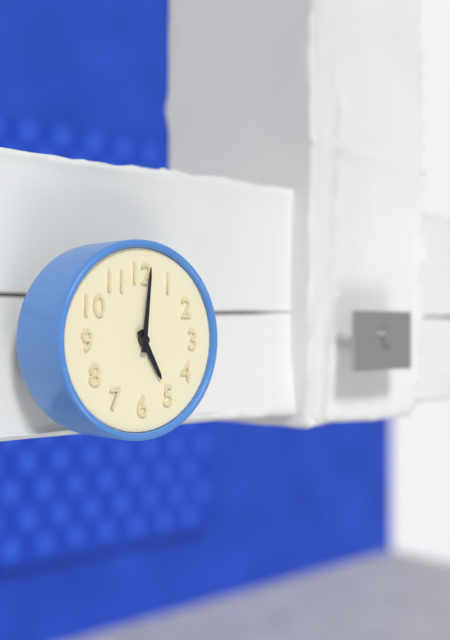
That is 5,01
